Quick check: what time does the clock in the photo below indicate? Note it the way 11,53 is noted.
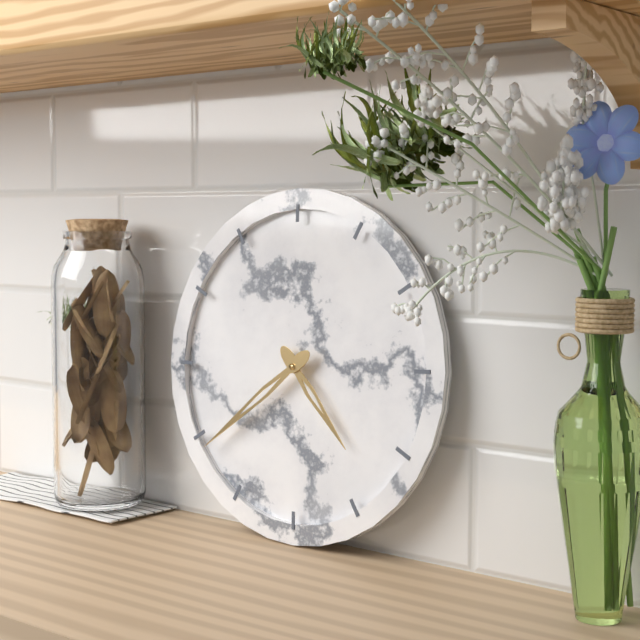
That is 4,39
